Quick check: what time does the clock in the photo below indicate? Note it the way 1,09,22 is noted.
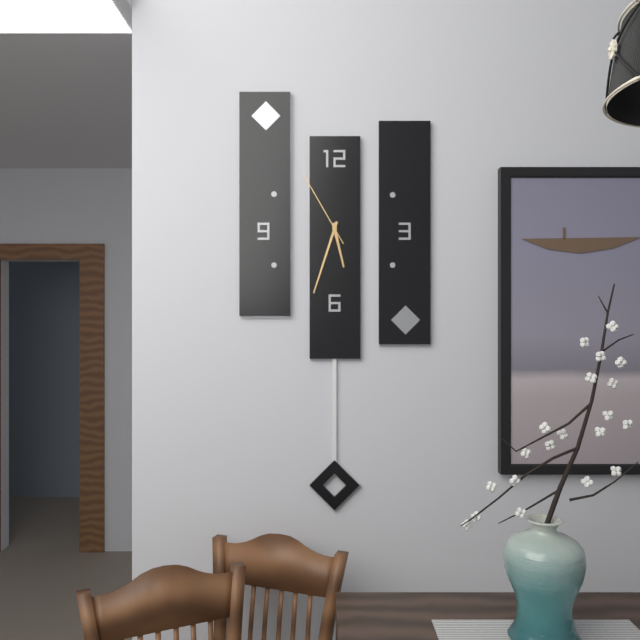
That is 5,33,55
